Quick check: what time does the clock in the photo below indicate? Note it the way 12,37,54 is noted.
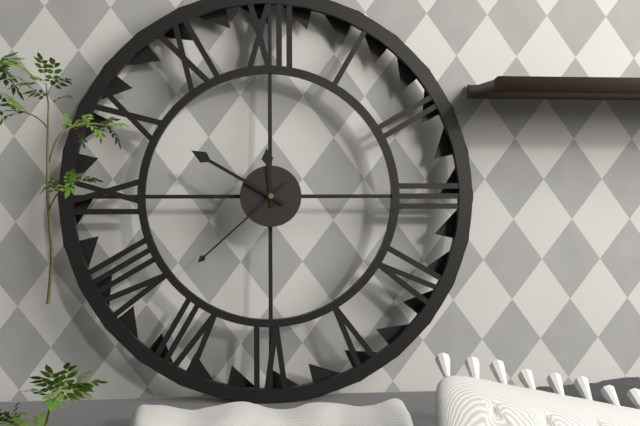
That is 11,50,38
